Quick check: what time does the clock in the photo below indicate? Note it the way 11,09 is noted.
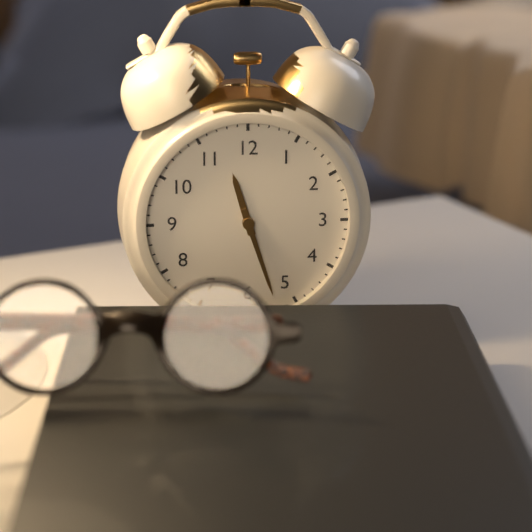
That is 11,27
